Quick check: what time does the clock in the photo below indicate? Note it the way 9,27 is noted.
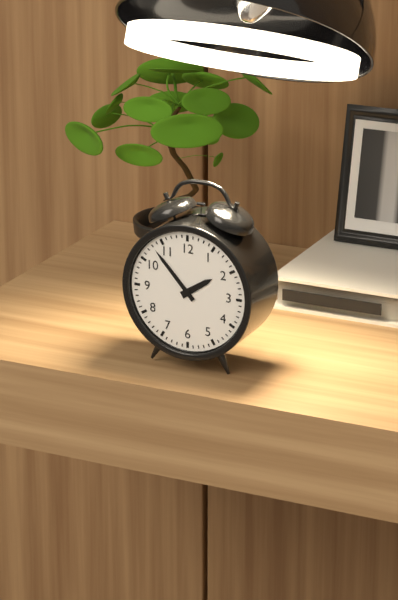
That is 1,53
